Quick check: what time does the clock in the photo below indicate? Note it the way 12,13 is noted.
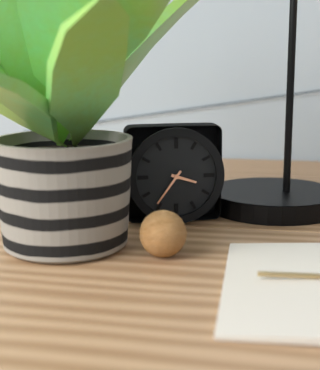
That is 3,36
